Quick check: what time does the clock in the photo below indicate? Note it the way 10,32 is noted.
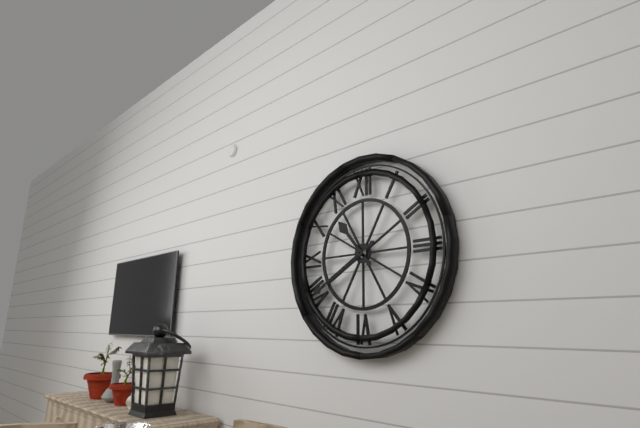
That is 10,40
